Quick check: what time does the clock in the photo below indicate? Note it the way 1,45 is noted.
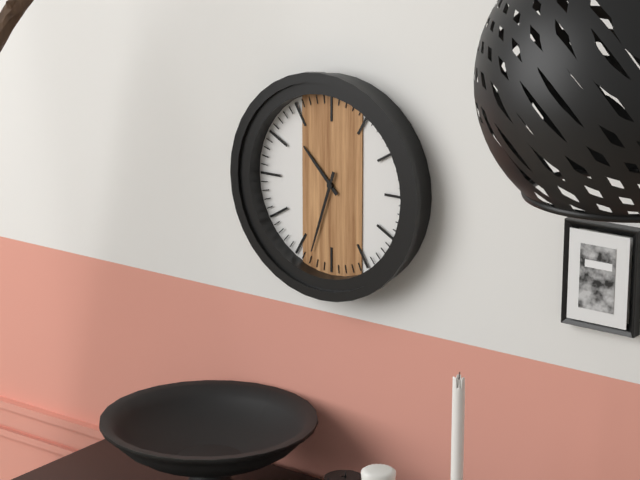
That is 10,33
